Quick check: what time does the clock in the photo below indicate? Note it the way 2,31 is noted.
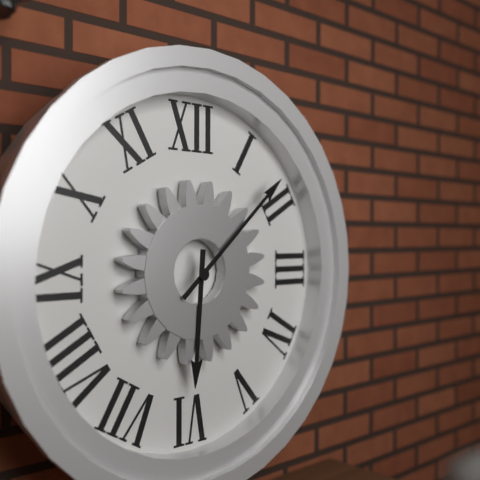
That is 6,08
